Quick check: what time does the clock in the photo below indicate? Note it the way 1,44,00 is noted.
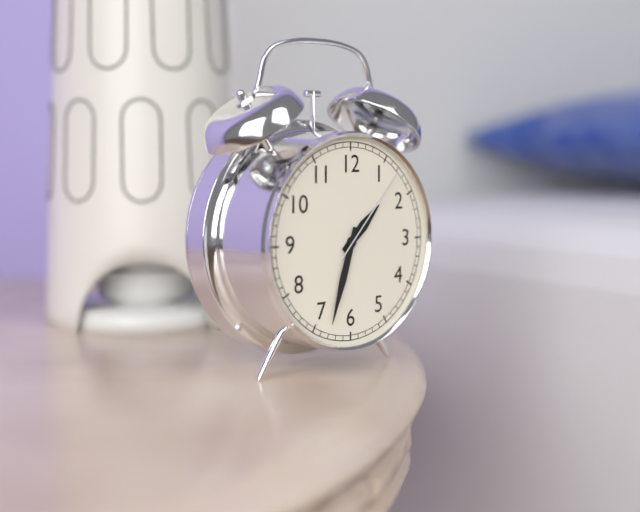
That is 1,33,07
